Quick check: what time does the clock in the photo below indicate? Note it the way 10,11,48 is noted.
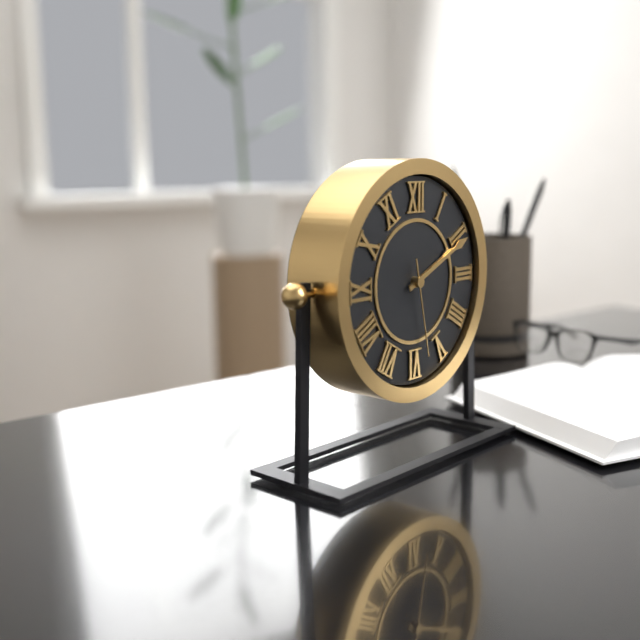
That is 2,11,28
